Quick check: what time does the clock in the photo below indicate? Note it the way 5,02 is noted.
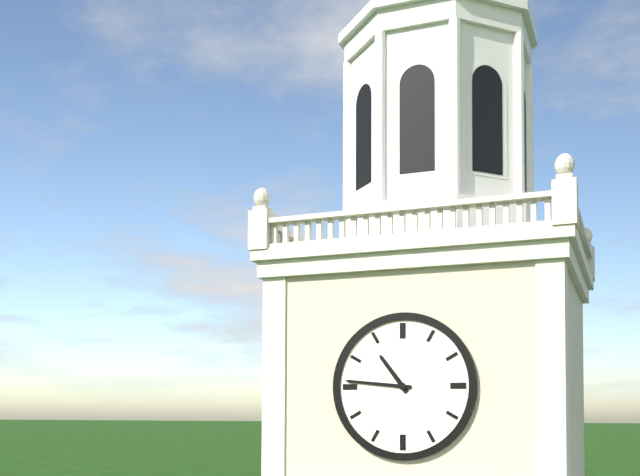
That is 10,46
